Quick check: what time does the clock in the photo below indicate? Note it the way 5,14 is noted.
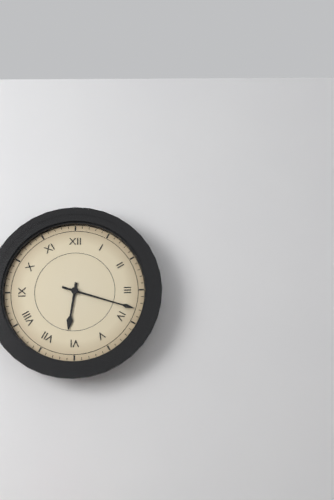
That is 6,18
